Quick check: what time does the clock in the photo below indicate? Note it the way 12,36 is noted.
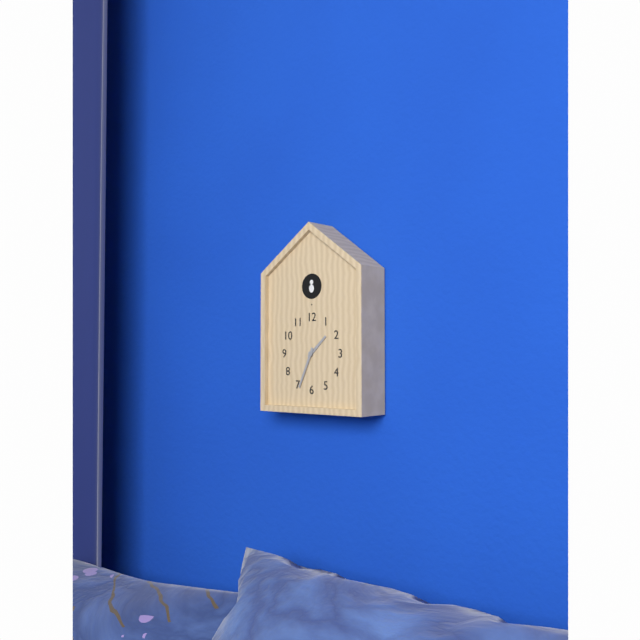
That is 1,34
